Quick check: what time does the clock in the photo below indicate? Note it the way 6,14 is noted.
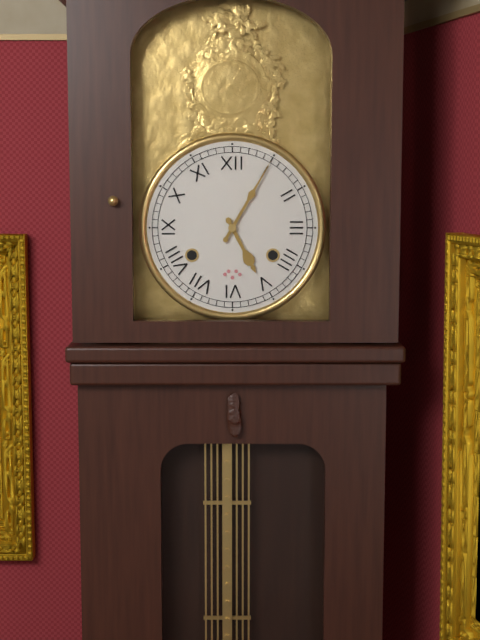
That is 5,05
